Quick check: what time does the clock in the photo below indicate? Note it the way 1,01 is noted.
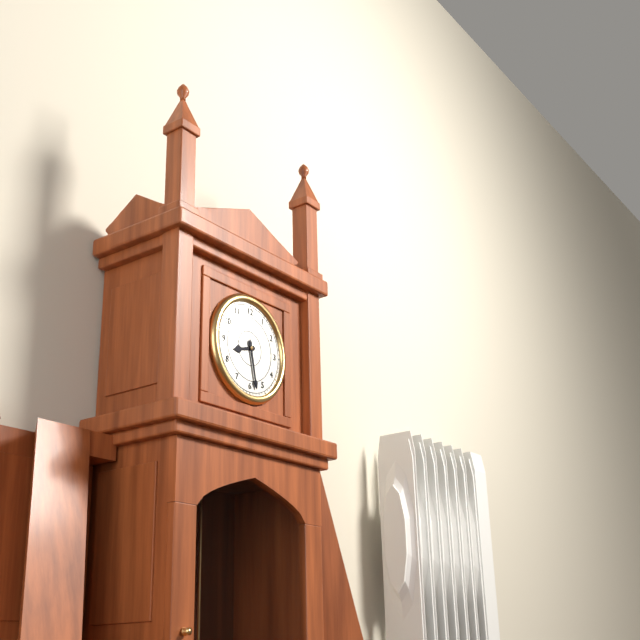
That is 8,28
